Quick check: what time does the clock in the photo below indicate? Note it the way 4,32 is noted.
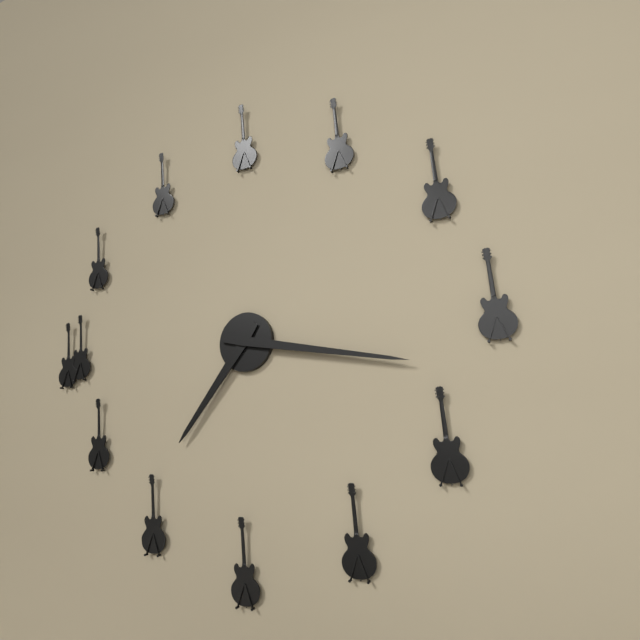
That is 7,17
